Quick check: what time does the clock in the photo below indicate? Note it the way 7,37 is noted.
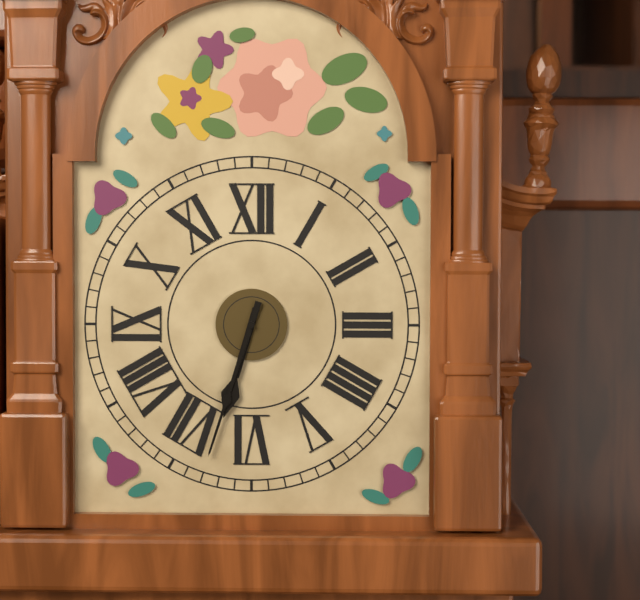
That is 6,33
